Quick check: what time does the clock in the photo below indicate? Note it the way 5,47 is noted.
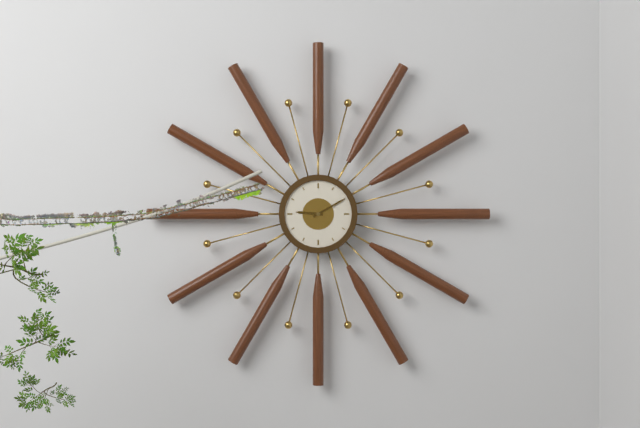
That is 9,10
